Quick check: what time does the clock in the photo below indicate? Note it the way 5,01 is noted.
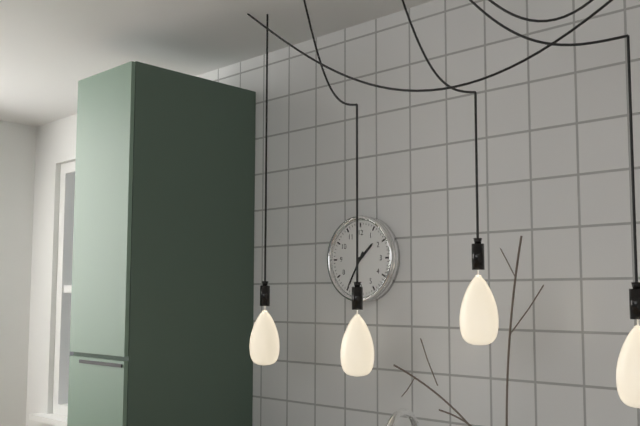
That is 1,35
